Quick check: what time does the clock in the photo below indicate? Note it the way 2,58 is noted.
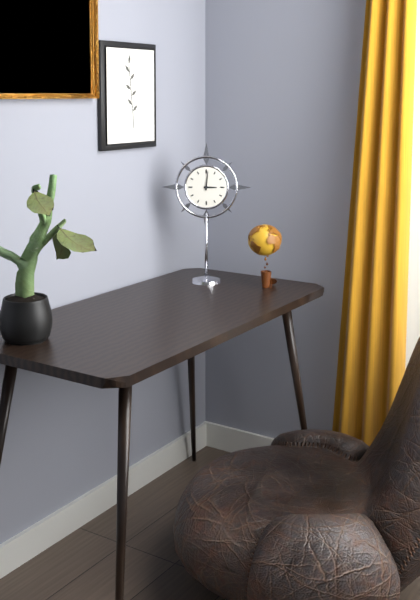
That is 3,01
